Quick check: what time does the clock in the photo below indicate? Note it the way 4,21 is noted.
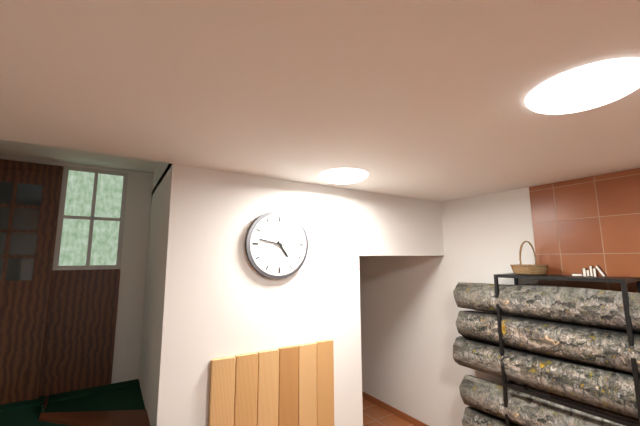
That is 4,47
